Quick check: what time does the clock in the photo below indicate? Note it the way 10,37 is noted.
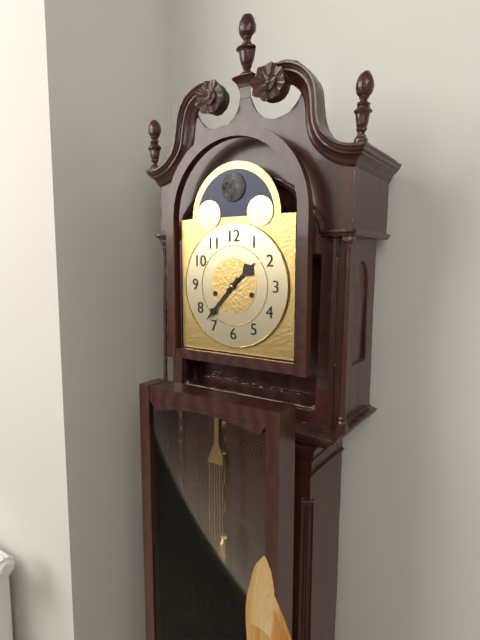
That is 1,37
